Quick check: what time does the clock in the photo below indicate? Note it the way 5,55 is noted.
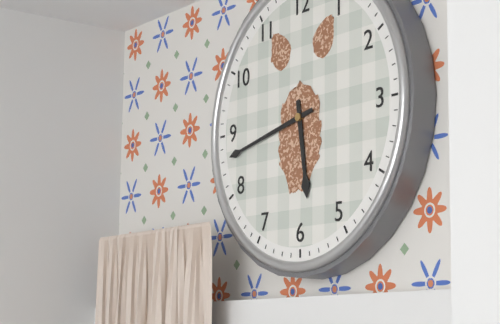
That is 5,43
